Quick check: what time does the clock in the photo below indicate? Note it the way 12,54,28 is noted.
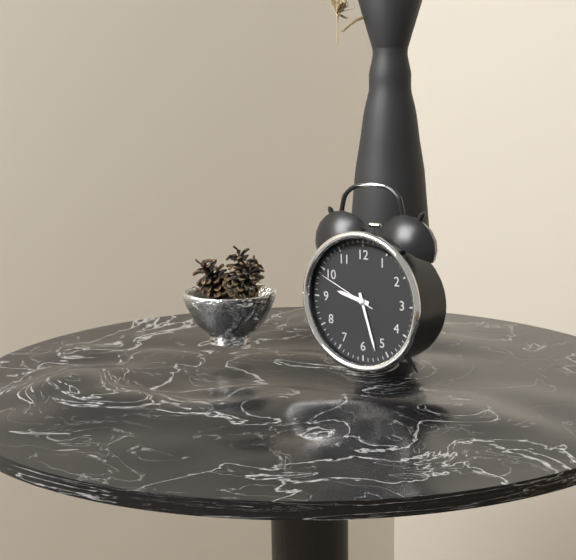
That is 9,27,49
